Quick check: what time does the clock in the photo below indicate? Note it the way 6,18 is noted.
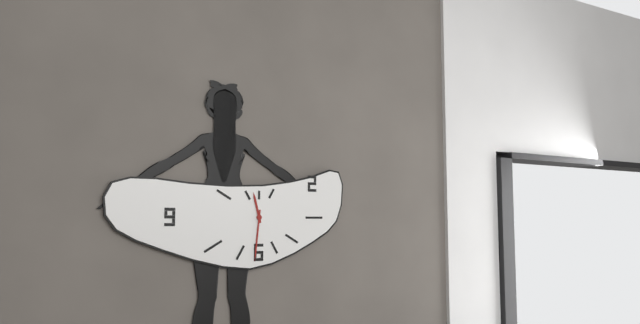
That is 11,31
